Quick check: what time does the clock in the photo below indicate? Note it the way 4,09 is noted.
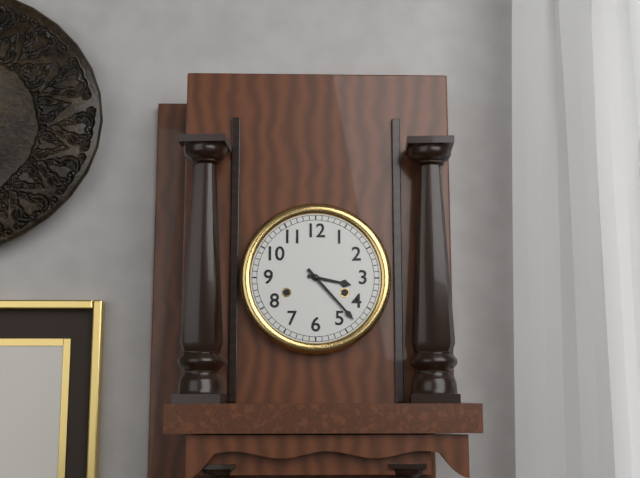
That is 3,23
